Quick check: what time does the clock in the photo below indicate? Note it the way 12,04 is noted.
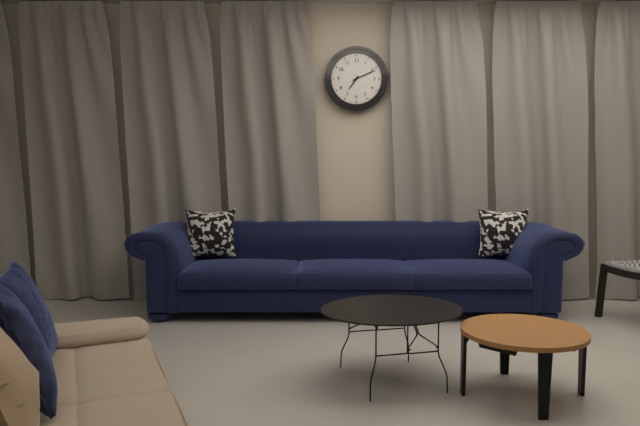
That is 7,11
